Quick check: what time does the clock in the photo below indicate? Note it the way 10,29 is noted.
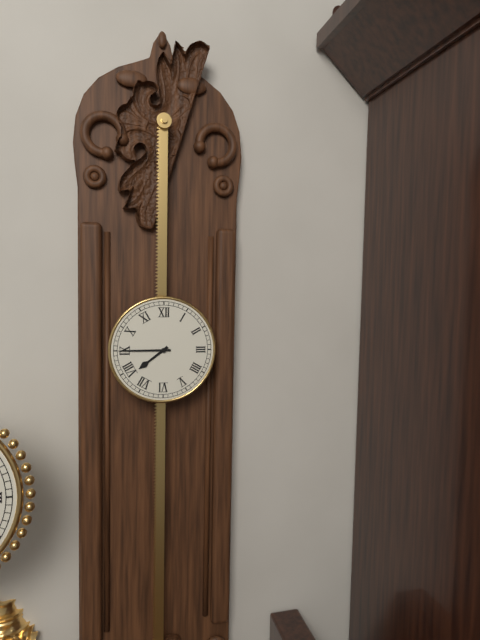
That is 7,45
